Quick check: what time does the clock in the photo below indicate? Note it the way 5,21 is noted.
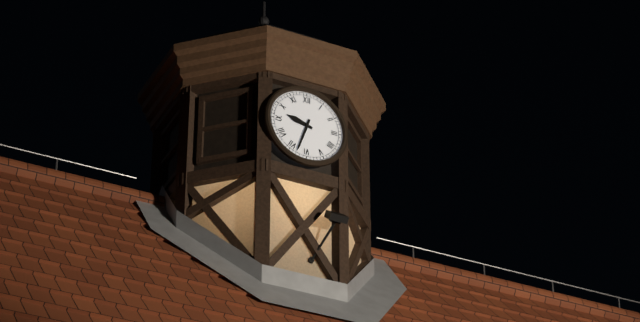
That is 9,33
